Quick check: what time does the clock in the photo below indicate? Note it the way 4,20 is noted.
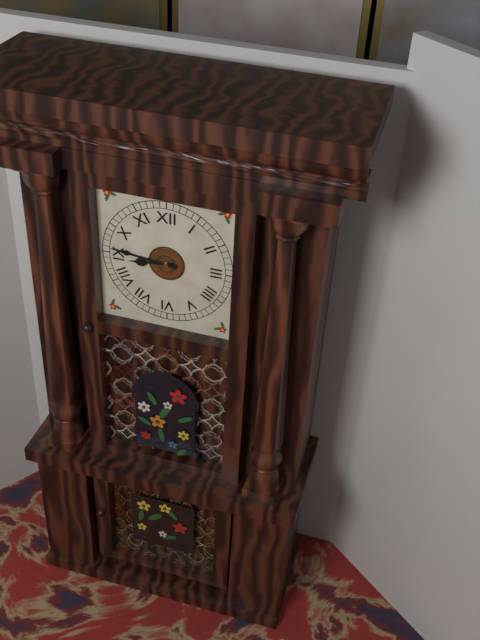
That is 8,46
